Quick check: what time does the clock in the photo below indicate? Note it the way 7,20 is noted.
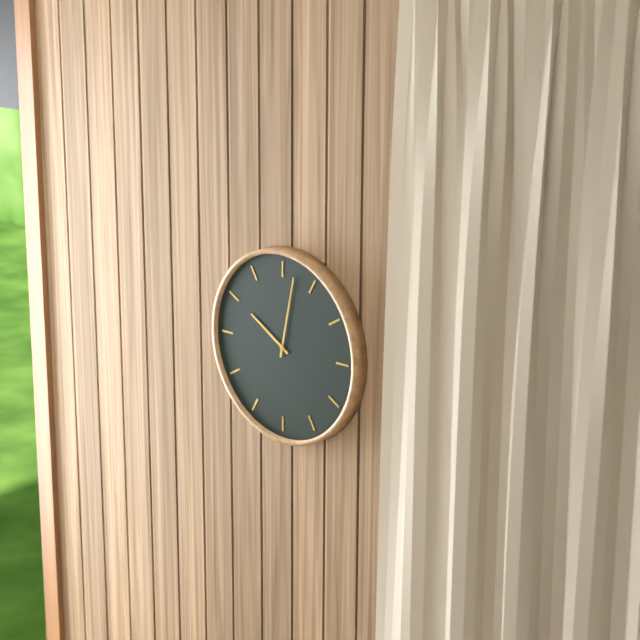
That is 10,02
